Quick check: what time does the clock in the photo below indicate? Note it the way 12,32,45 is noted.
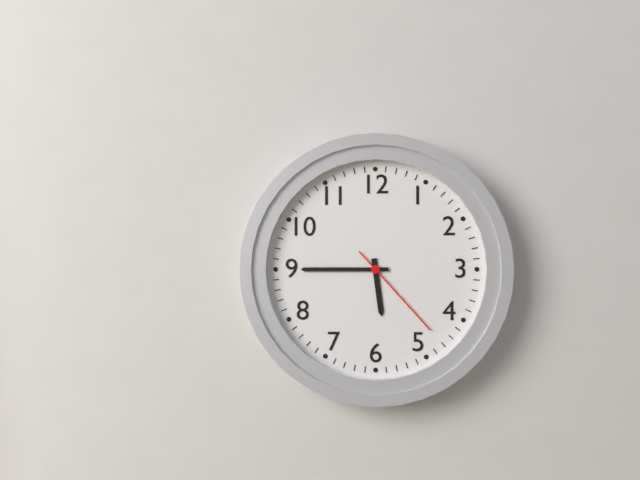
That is 5,45,23
